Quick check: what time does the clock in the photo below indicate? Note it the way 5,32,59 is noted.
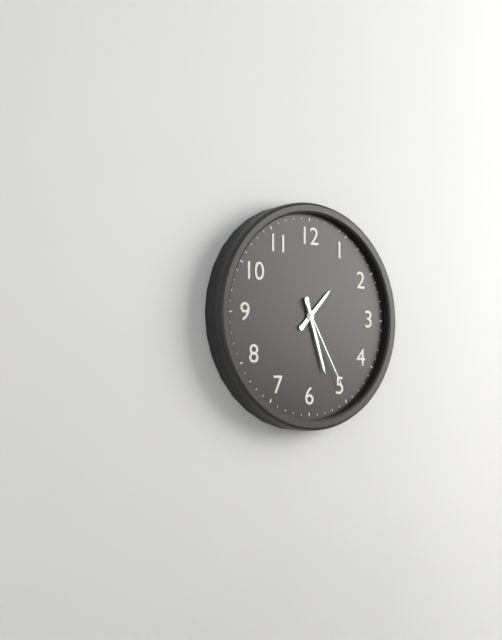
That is 1,27,25
